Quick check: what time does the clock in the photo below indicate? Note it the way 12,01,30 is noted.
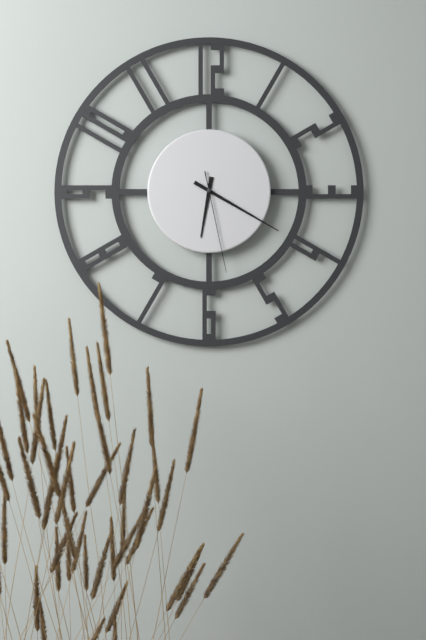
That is 6,20,28
